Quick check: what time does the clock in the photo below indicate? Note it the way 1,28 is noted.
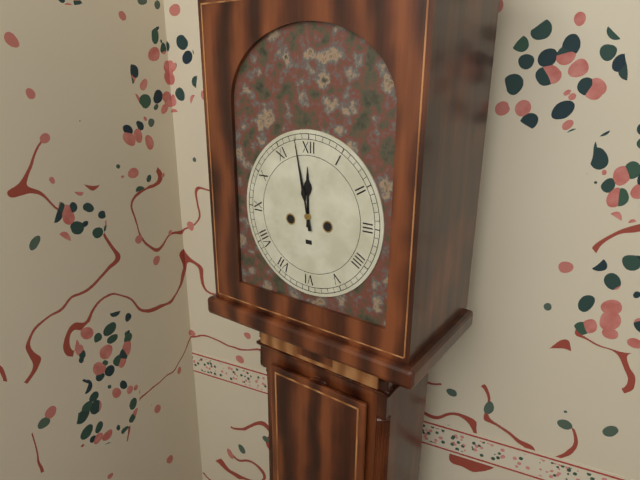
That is 11,58
